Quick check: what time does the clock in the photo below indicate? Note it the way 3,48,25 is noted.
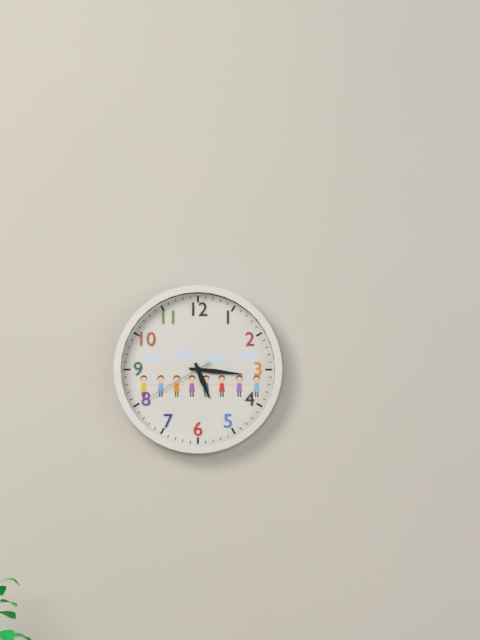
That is 5,16,40
